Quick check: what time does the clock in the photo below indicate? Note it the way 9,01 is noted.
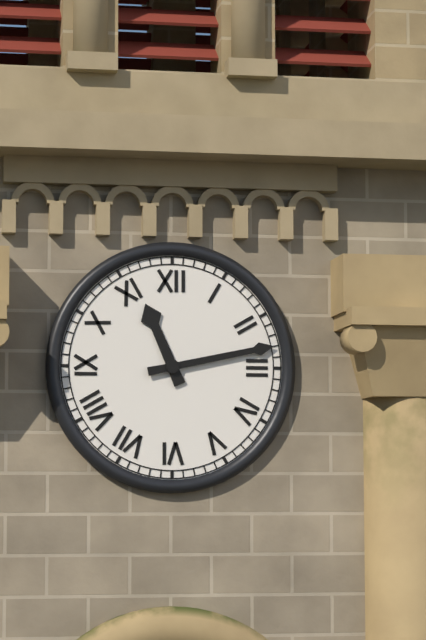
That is 11,13
